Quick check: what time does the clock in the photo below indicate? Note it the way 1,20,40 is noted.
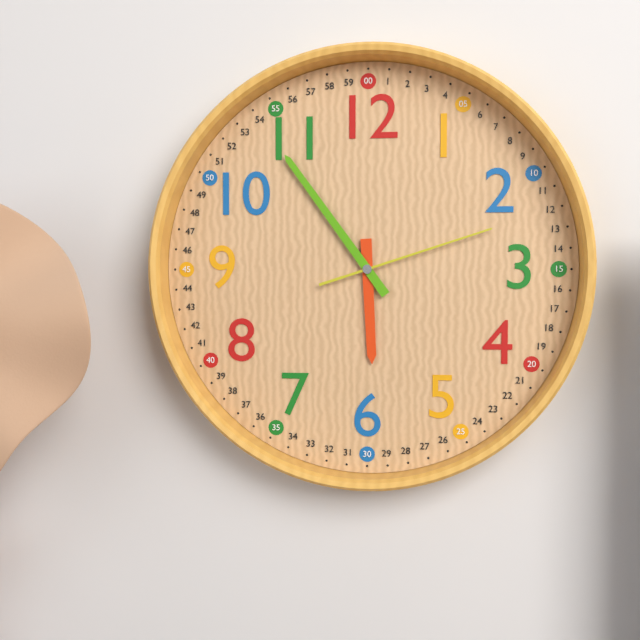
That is 5,54,12
